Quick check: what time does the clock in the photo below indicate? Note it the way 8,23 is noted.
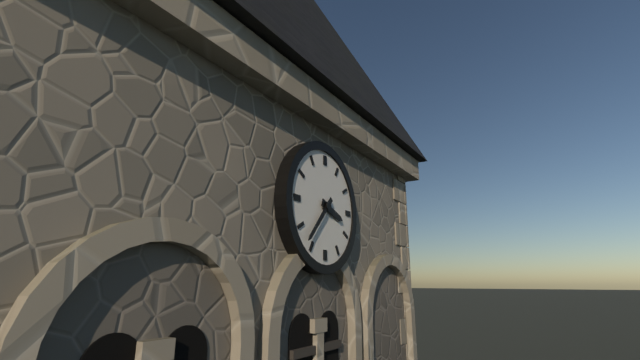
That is 3,37
